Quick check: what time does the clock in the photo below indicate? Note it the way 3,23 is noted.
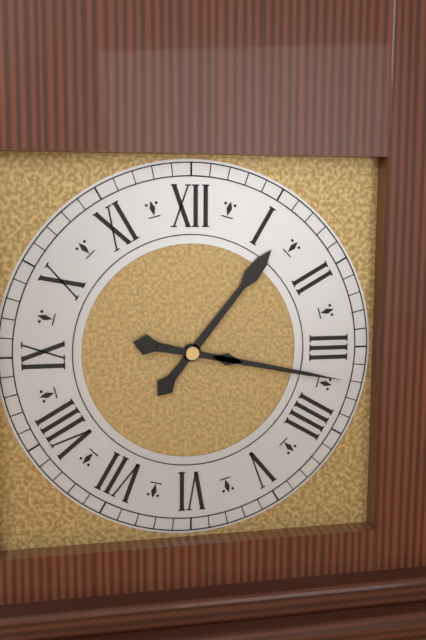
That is 1,17
